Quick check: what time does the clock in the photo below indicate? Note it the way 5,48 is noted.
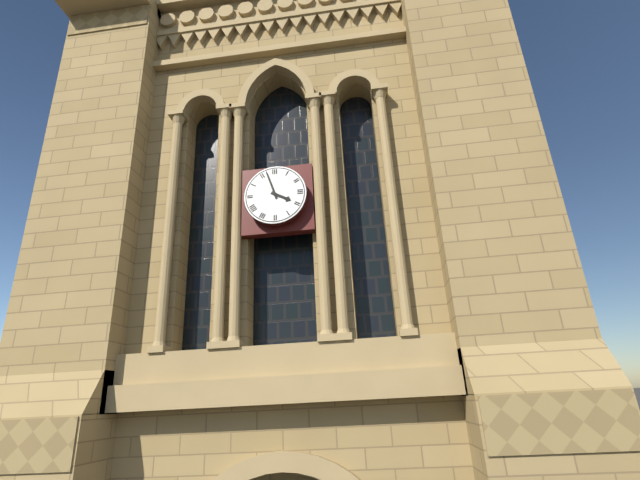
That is 3,57
